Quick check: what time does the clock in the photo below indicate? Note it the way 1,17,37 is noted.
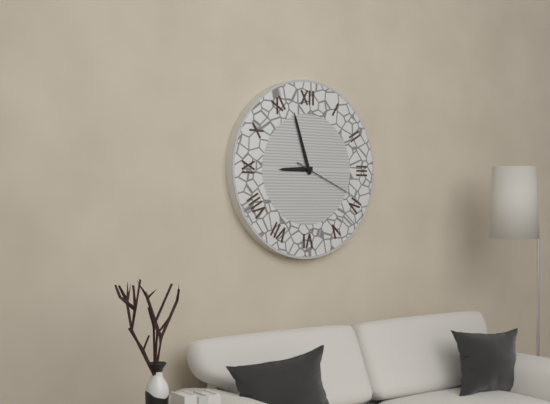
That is 8,57,19
